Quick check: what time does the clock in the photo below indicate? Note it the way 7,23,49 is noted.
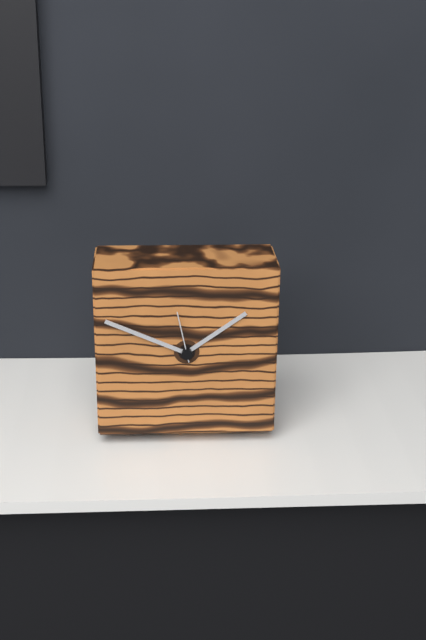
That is 1,49,58
